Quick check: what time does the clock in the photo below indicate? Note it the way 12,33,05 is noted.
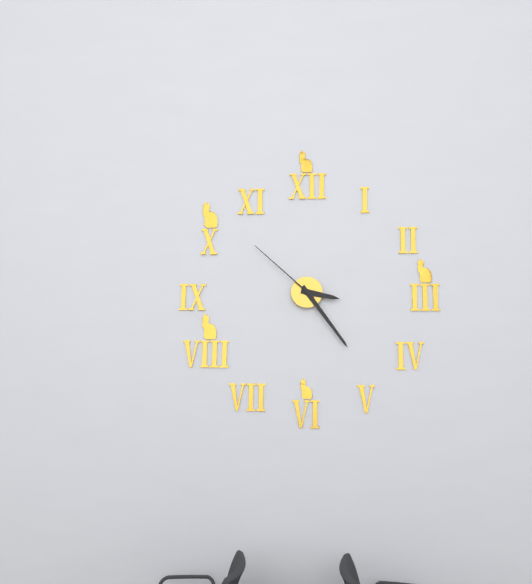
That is 3,24,52
